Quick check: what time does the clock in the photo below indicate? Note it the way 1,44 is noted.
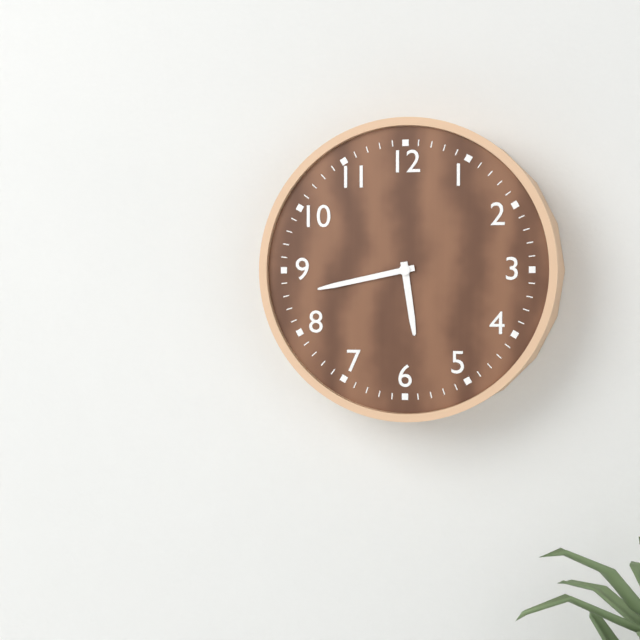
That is 5,43
